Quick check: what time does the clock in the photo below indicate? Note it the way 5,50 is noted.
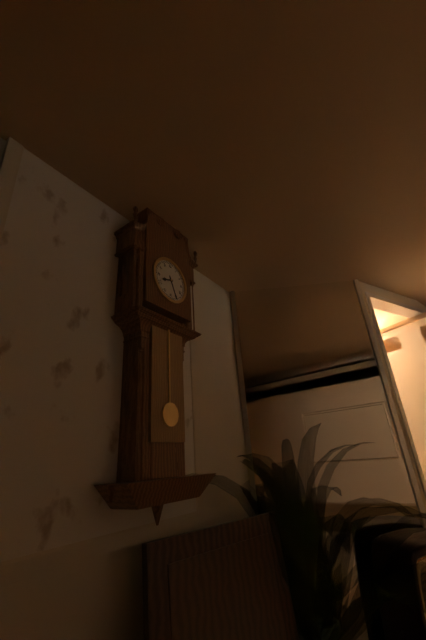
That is 8,26
